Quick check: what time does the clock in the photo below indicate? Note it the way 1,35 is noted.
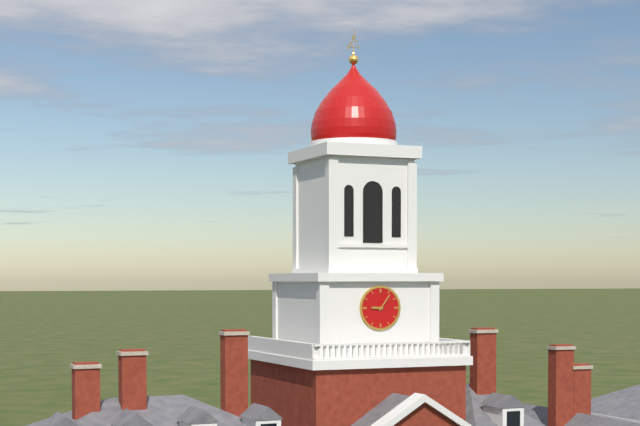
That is 9,06
